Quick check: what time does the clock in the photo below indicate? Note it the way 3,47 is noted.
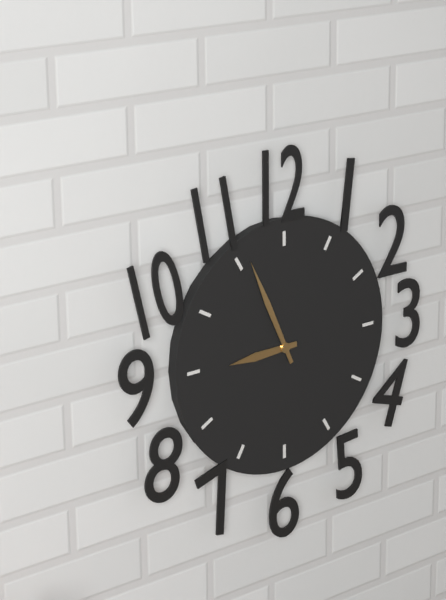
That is 8,56
